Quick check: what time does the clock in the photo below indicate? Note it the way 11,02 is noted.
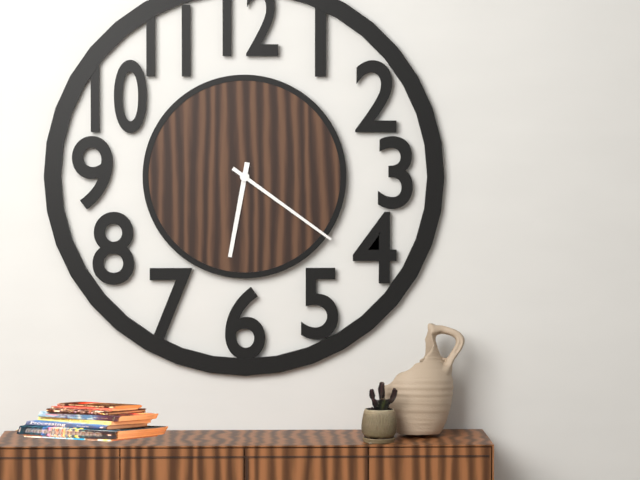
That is 6,21
